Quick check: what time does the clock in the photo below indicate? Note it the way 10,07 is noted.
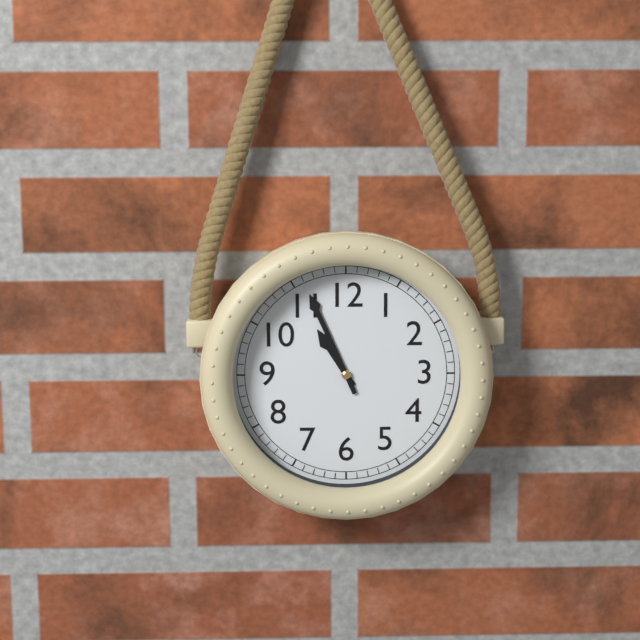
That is 10,56
